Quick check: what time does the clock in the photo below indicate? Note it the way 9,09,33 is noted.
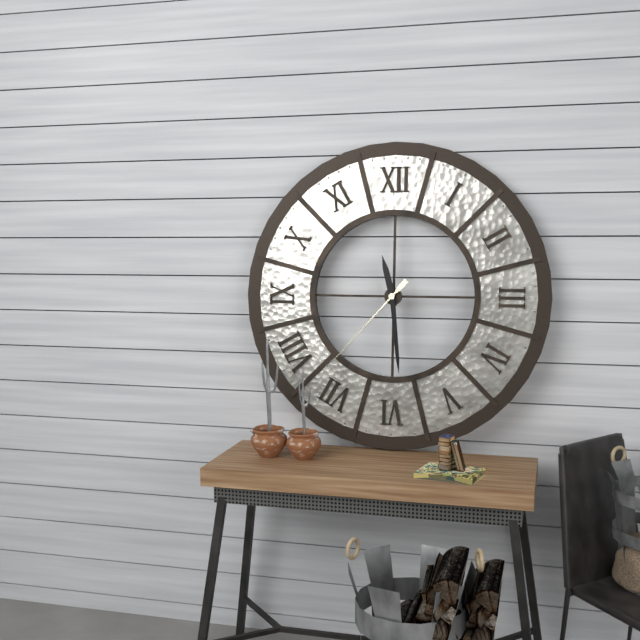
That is 11,29,37
